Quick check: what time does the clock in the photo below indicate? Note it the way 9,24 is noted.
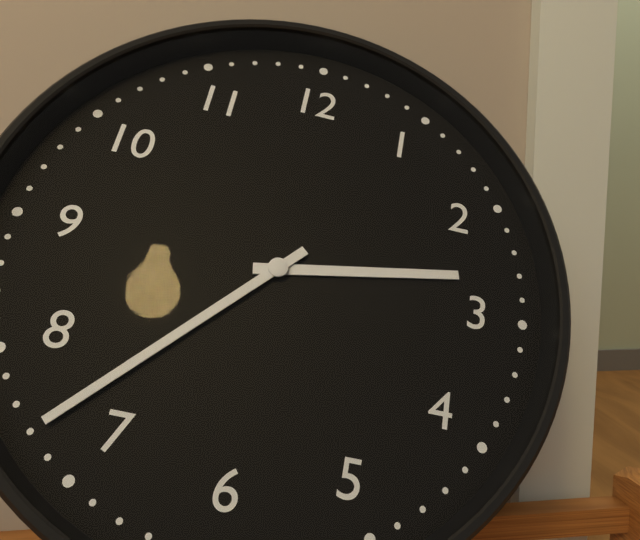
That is 2,37
